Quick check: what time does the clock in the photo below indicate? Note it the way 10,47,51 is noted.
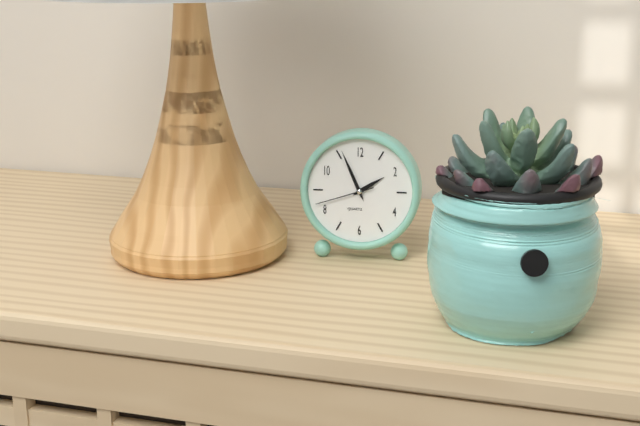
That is 1,56,42
